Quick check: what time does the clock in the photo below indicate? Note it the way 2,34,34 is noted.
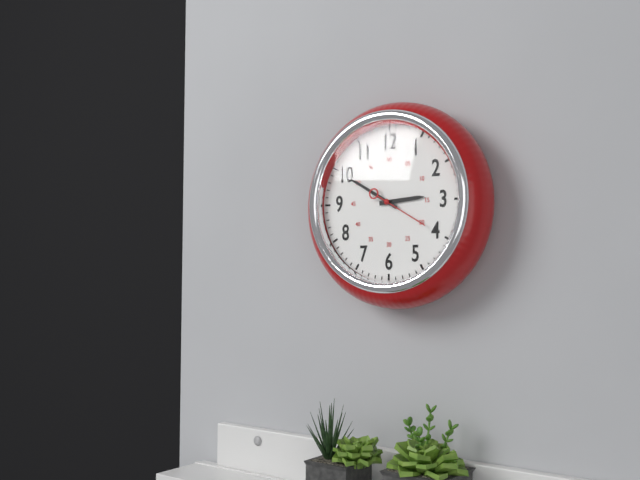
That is 2,50,20
